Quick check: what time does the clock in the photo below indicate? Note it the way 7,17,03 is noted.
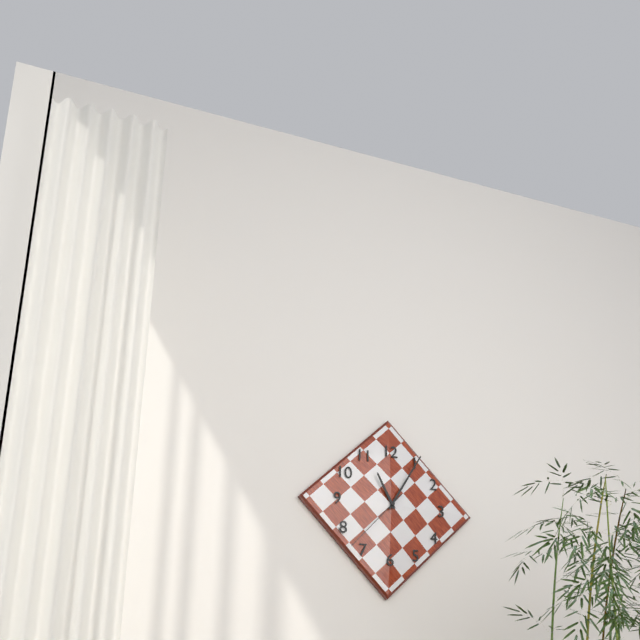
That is 11,05,37
